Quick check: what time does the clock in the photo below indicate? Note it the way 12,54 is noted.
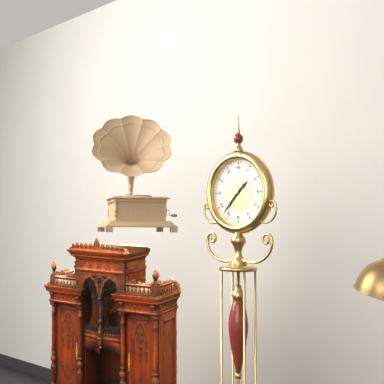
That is 1,37
